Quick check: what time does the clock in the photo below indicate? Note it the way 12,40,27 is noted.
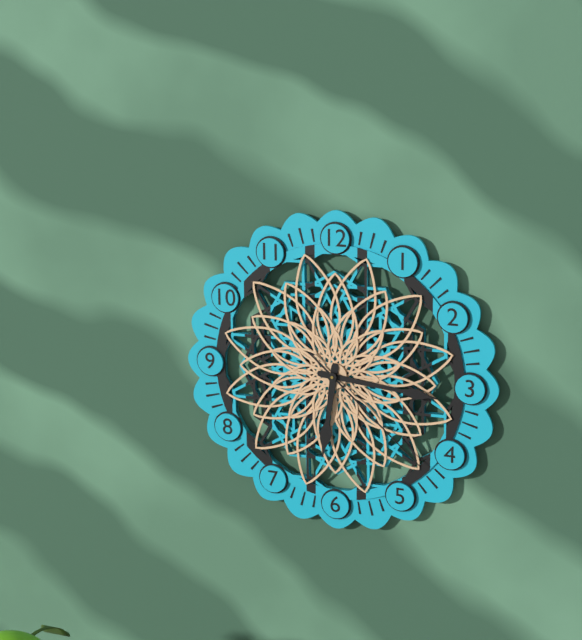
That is 6,16,22
